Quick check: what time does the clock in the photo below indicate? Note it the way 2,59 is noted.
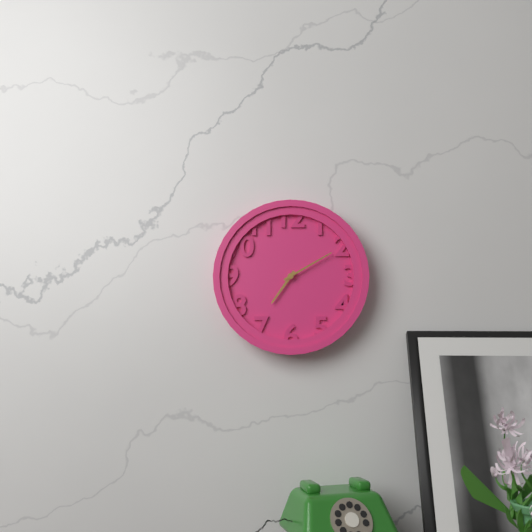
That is 7,10
